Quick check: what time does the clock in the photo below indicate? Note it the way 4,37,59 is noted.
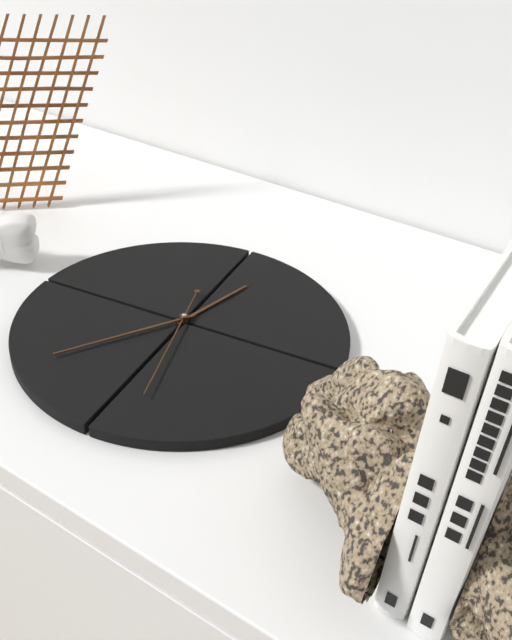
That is 12,36,28
